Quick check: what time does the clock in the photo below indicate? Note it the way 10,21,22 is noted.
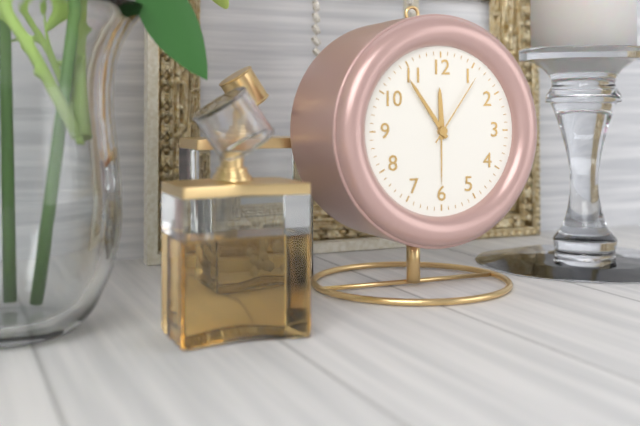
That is 11,54,06
